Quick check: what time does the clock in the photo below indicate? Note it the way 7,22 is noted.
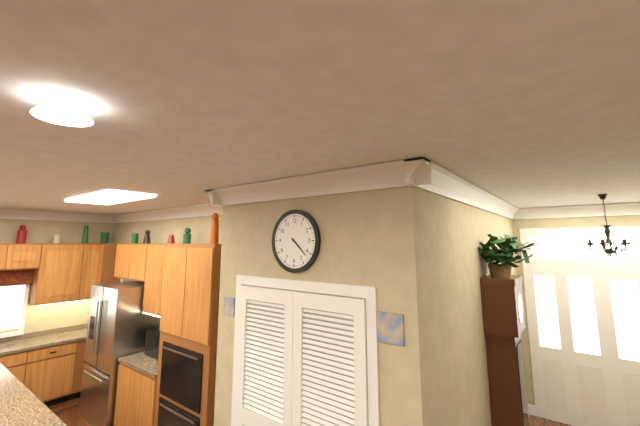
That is 4,22
